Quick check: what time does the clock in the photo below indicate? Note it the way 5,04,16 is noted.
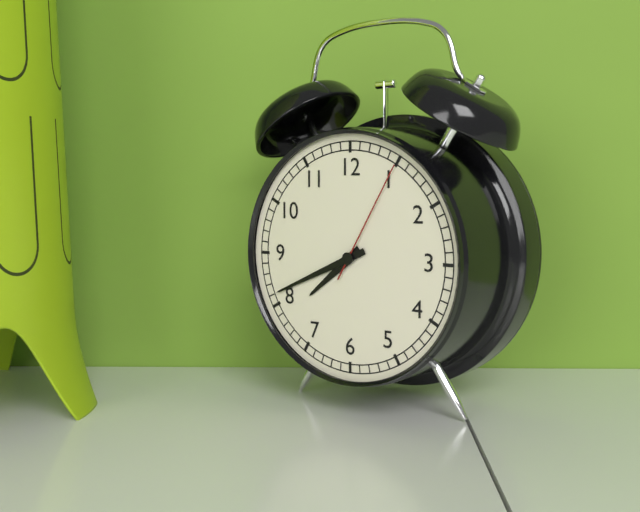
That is 7,41,05
